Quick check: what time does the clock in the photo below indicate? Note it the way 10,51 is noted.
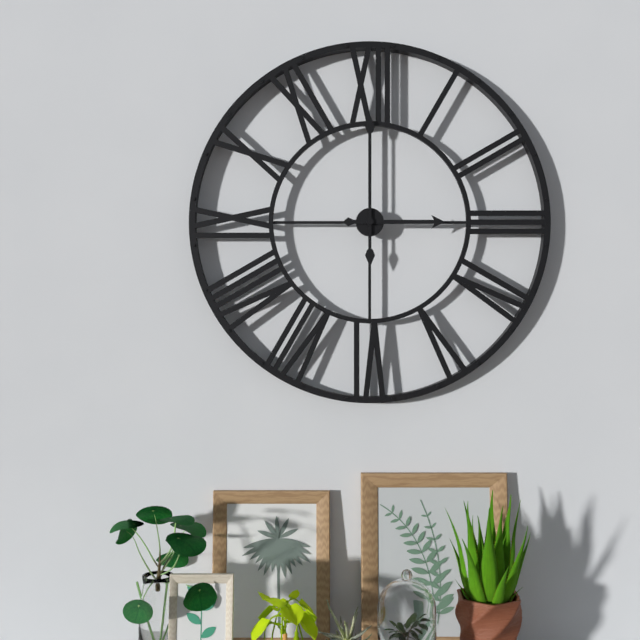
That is 3,00
